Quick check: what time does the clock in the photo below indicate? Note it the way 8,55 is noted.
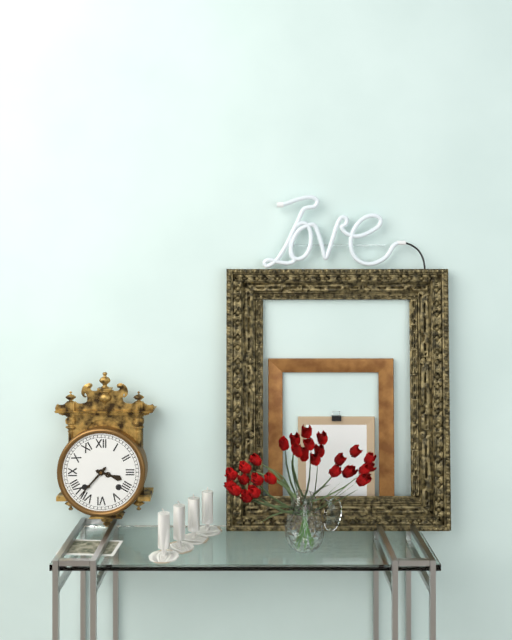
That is 3,37
